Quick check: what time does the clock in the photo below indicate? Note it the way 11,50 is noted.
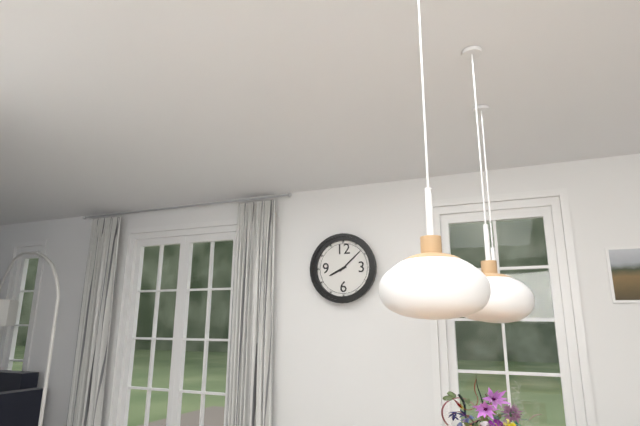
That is 8,08
